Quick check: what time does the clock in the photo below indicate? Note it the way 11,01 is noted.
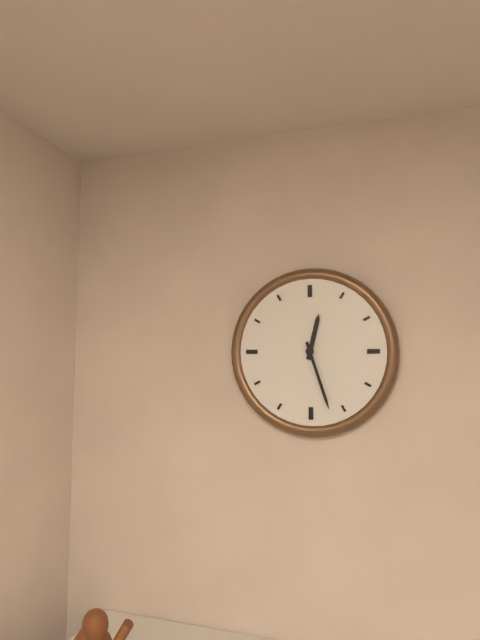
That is 12,27
